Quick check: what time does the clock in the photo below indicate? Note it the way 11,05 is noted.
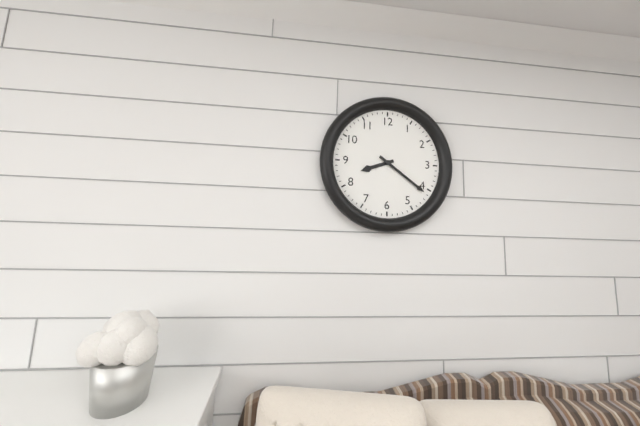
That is 8,21
